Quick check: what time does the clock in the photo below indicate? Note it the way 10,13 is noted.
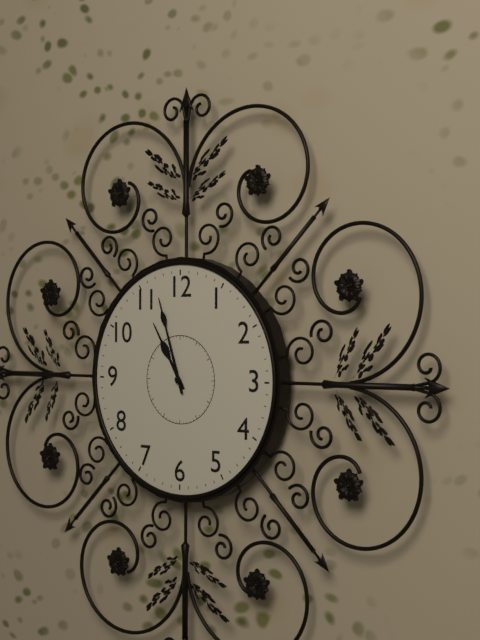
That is 10,57
